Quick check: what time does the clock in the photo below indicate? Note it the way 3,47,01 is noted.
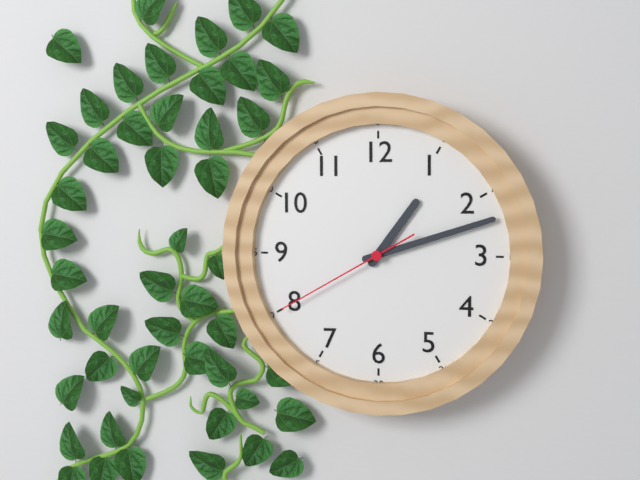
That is 1,12,40
